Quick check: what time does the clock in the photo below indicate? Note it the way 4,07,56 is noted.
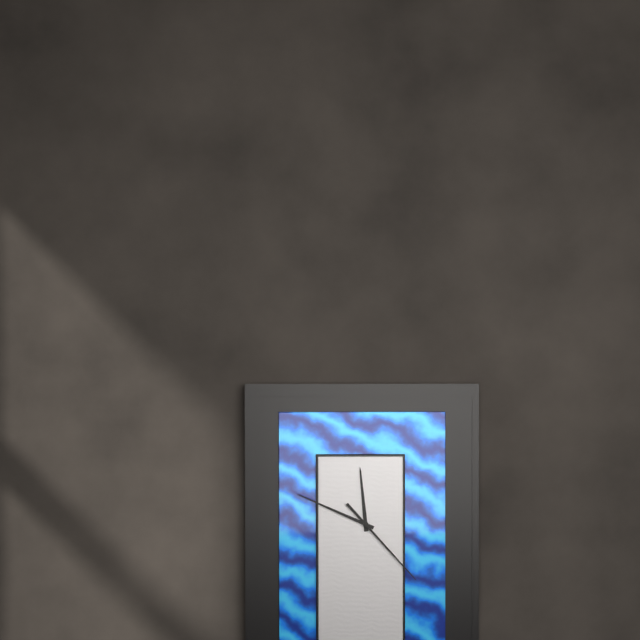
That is 11,49,23
